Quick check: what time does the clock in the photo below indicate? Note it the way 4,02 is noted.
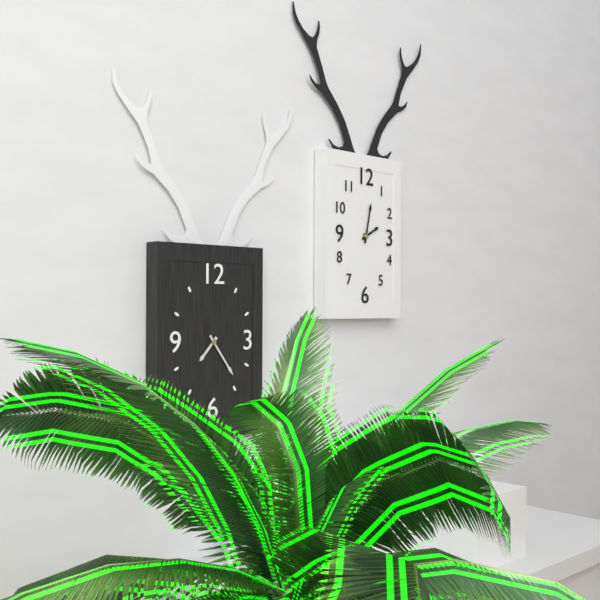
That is 7,24
